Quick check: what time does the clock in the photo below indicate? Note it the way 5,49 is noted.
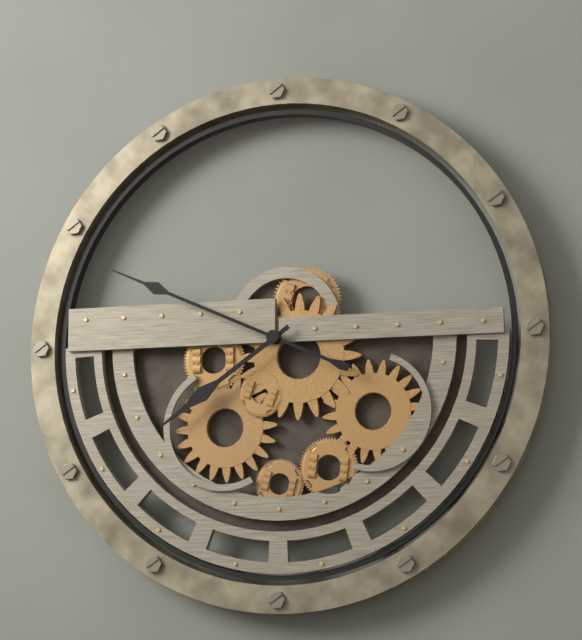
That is 7,49
